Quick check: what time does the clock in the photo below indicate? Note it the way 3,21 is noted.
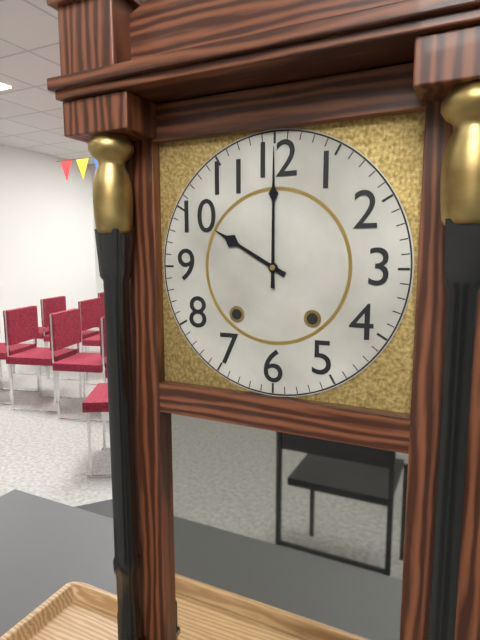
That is 10,00
